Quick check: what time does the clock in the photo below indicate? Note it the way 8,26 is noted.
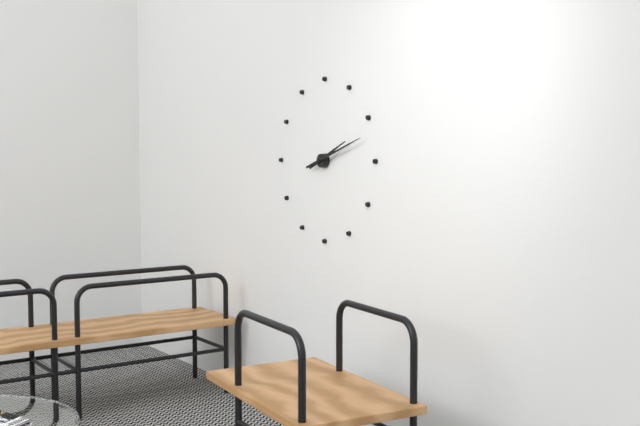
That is 2,12
